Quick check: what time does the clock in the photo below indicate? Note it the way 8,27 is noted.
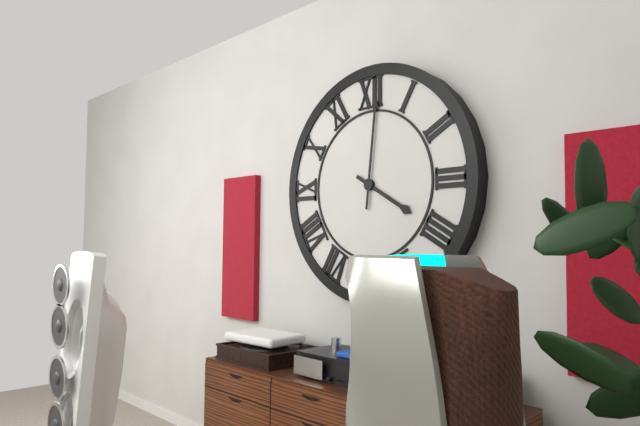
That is 4,01
